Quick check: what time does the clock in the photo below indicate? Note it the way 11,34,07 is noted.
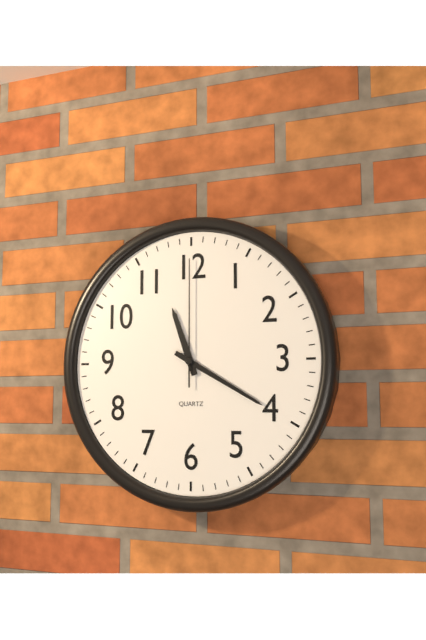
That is 11,20,00
